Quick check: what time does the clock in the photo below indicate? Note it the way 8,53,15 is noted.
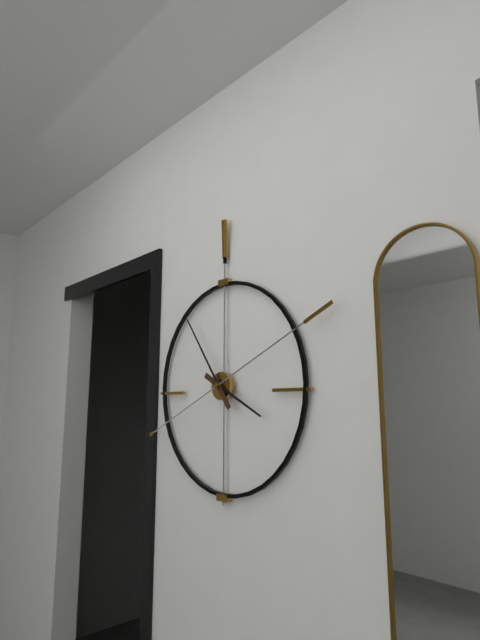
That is 3,54,11
